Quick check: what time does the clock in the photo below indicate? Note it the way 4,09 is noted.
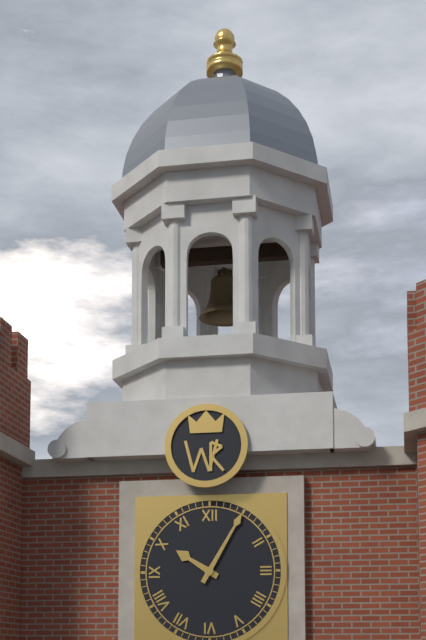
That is 10,05
